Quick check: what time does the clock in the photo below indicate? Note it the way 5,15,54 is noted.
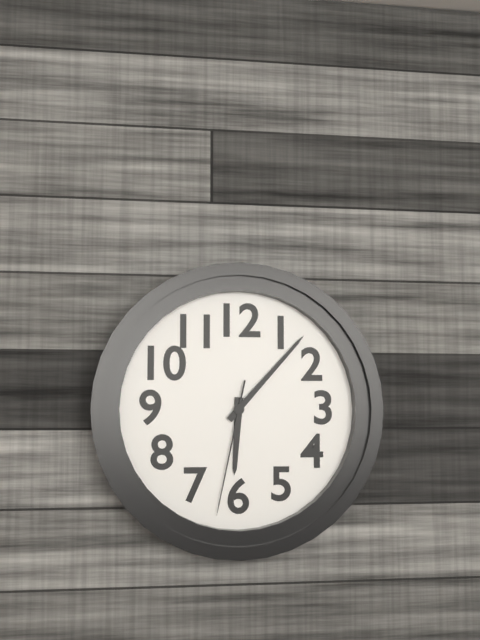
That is 6,07,32
